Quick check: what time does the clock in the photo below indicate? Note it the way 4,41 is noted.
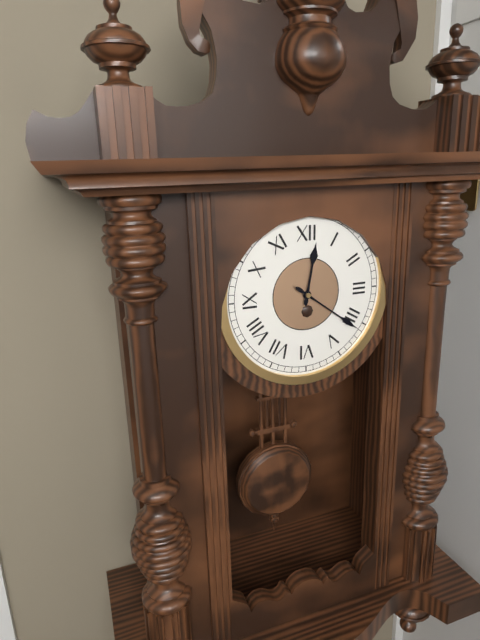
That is 12,21
